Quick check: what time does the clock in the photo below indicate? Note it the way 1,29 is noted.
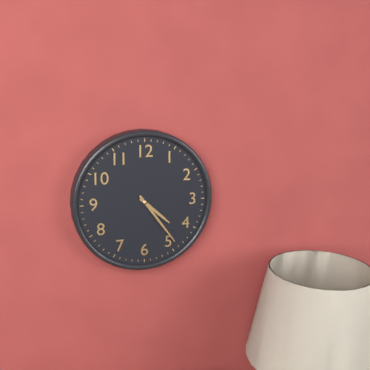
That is 4,24
